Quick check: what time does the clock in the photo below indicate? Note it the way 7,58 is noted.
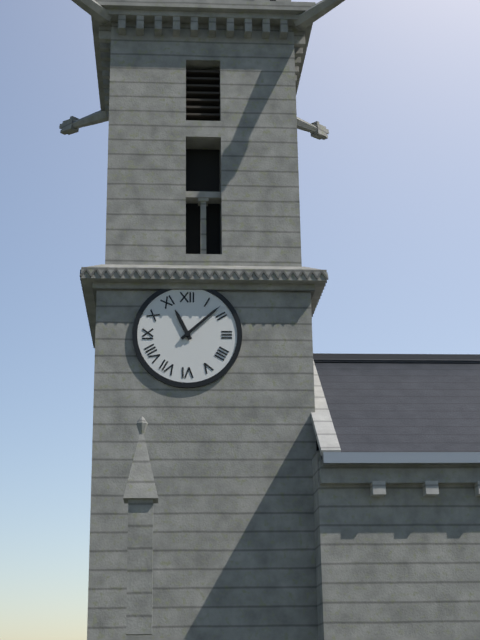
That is 11,08
